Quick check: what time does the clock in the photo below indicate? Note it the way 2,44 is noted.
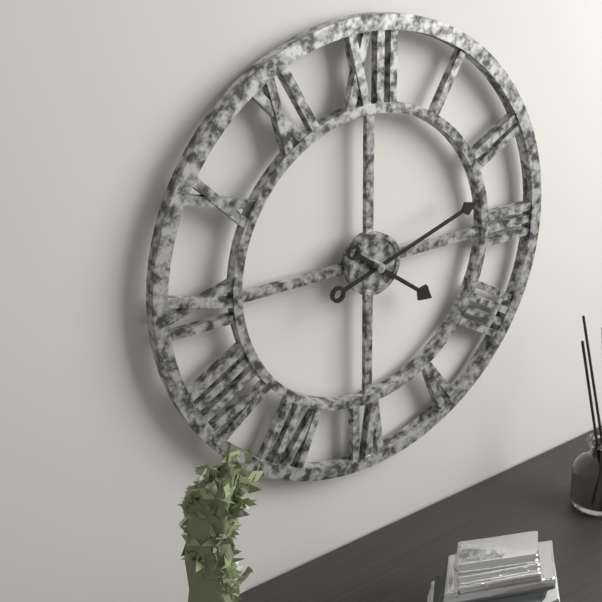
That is 4,12
